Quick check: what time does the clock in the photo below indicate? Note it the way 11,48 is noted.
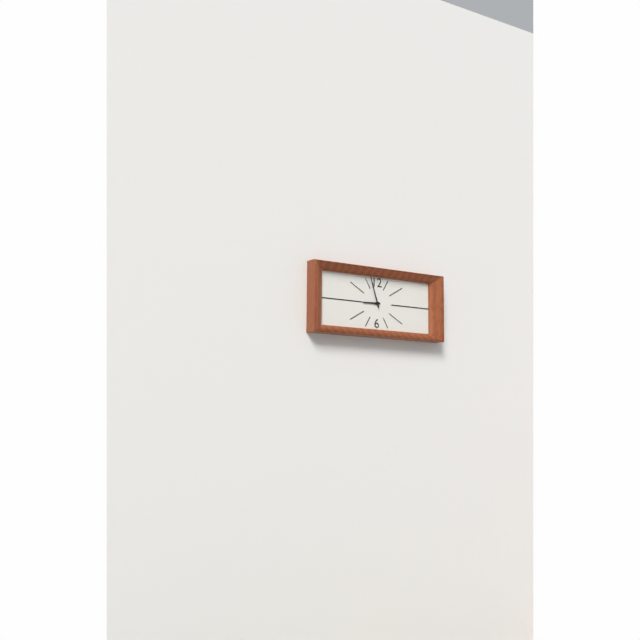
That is 8,57
